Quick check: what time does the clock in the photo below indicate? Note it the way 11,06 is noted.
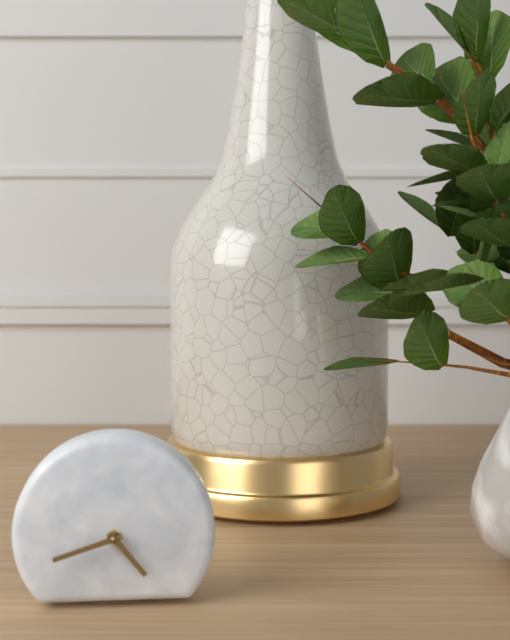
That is 4,42
